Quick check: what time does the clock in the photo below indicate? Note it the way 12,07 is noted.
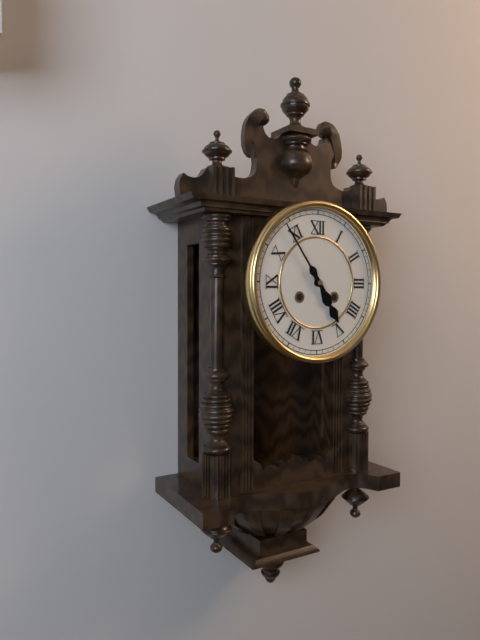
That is 4,54
